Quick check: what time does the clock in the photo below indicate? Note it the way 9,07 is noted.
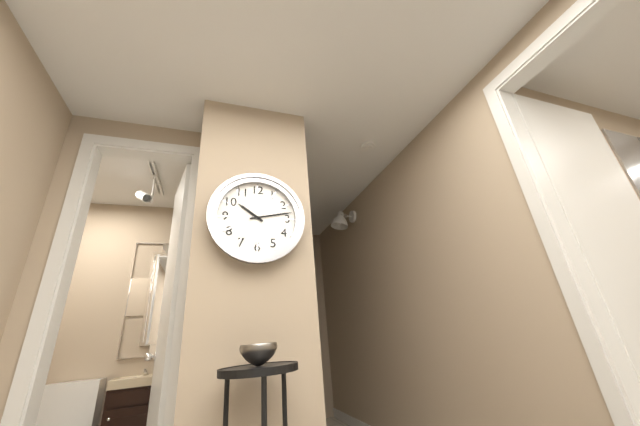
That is 10,13
